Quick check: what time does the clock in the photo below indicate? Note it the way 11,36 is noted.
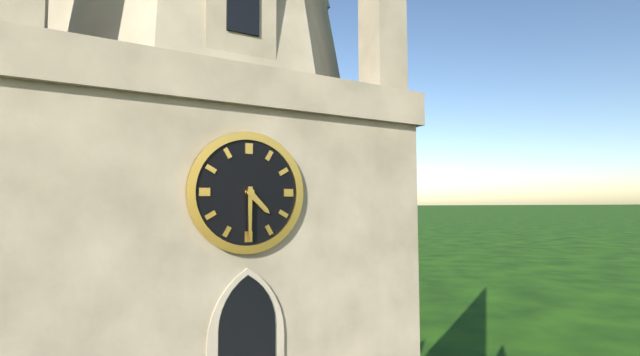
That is 4,30
